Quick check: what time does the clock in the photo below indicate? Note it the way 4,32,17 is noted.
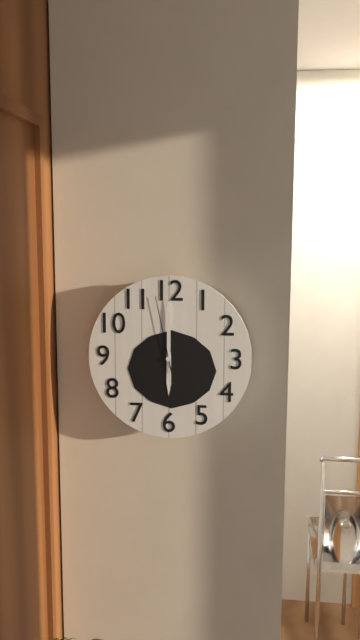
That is 6,00,58
